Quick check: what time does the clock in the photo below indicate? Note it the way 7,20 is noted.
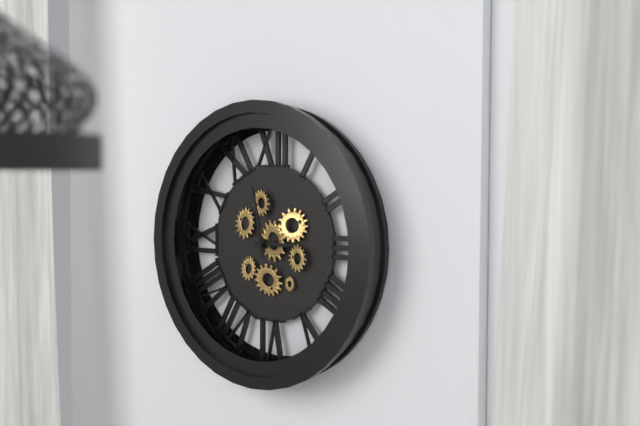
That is 2,58
